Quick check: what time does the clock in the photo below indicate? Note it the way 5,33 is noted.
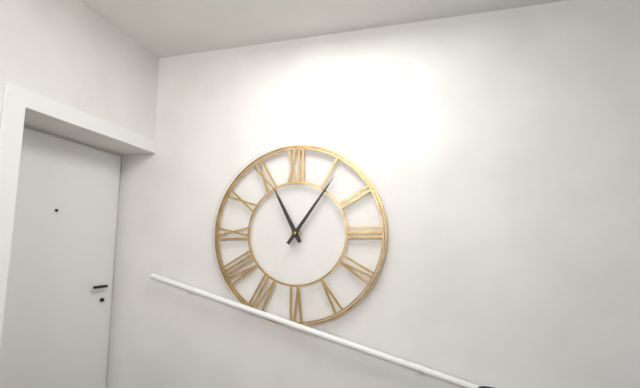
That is 11,06
